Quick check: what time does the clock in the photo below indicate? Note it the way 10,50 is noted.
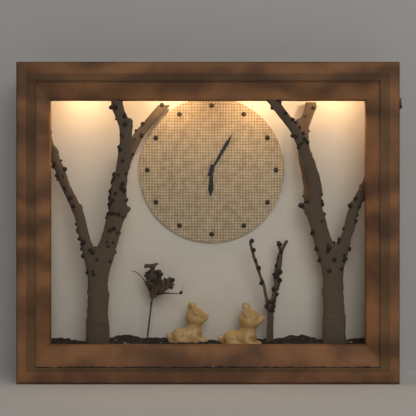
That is 6,05
